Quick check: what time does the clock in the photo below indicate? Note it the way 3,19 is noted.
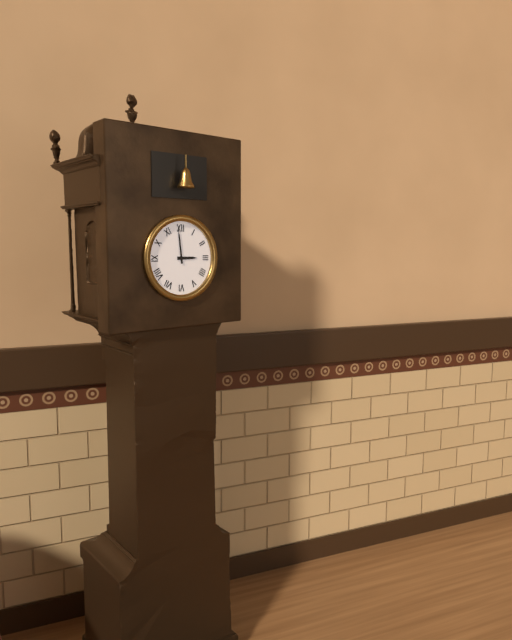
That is 2,59
